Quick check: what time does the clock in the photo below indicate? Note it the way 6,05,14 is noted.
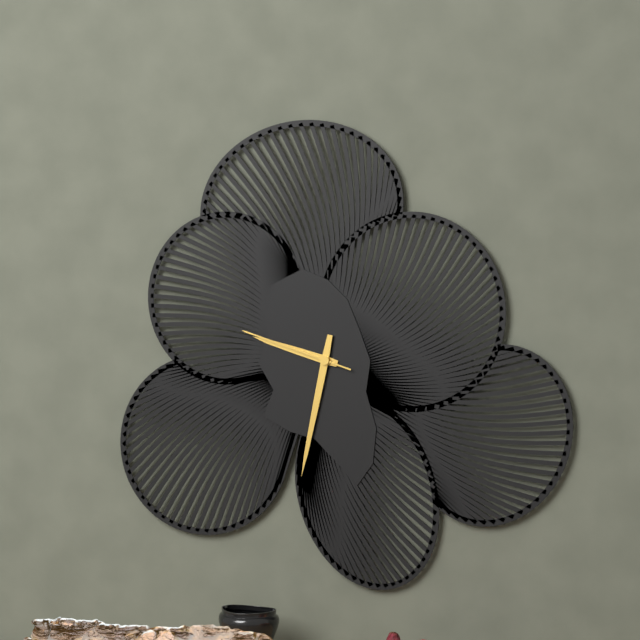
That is 9,32,48
